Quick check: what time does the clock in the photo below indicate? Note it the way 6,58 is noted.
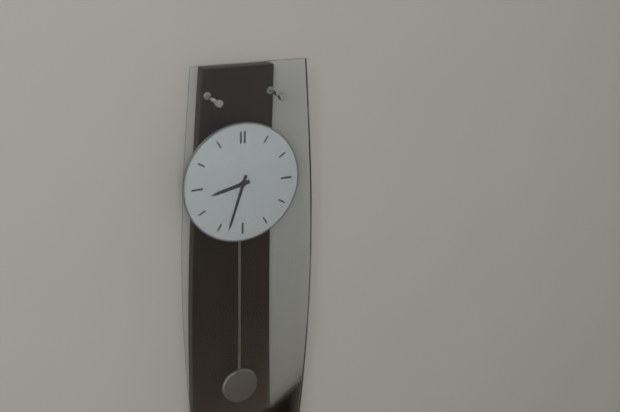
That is 8,33
